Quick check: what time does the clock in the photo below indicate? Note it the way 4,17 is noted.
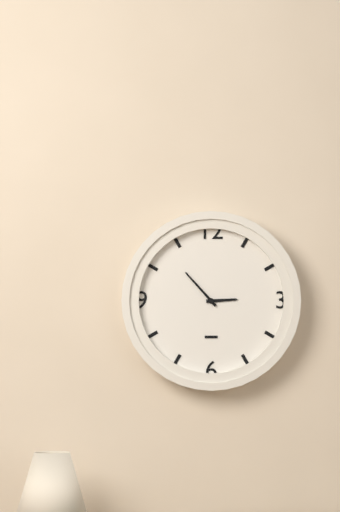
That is 2,53
